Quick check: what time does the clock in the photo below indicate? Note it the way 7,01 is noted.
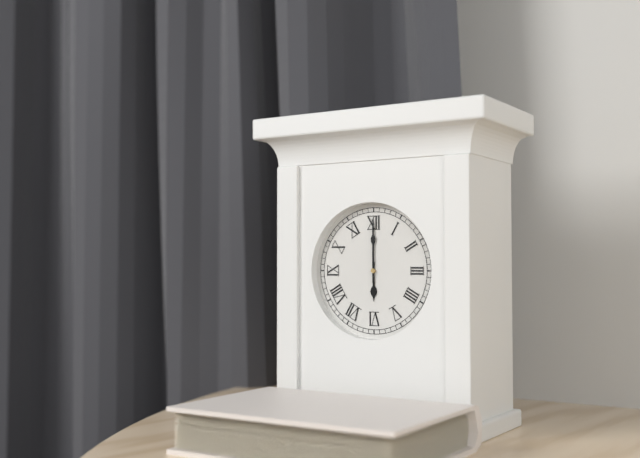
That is 6,00
